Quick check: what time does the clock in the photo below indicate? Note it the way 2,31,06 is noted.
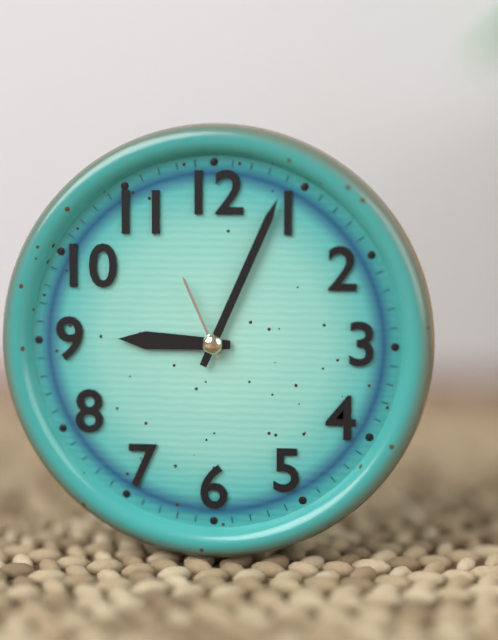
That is 9,04,56
